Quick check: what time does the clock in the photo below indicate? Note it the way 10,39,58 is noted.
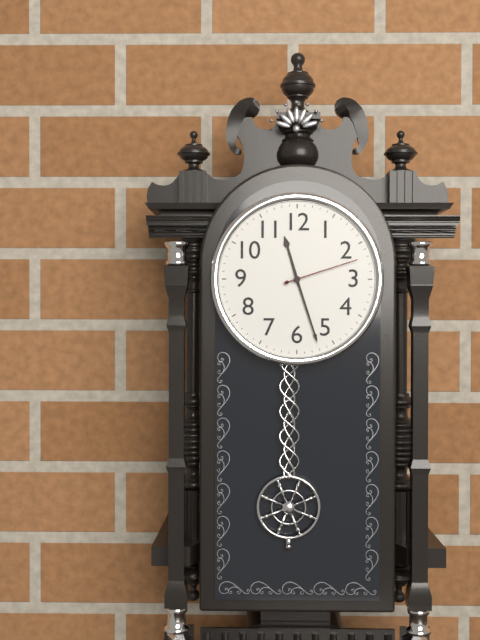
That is 11,27,12
